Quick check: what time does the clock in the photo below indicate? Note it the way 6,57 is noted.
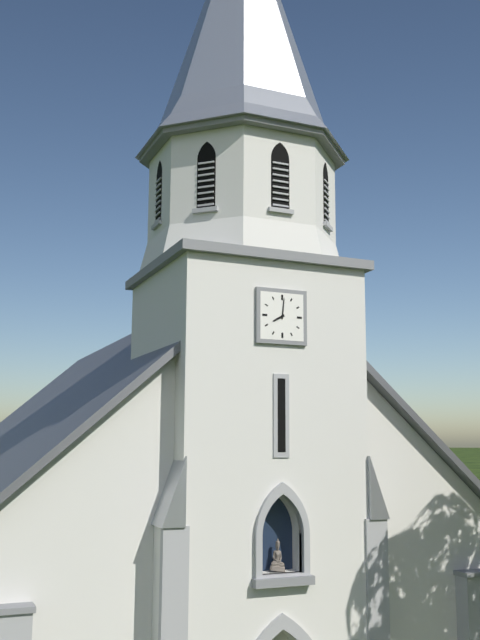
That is 8,01
